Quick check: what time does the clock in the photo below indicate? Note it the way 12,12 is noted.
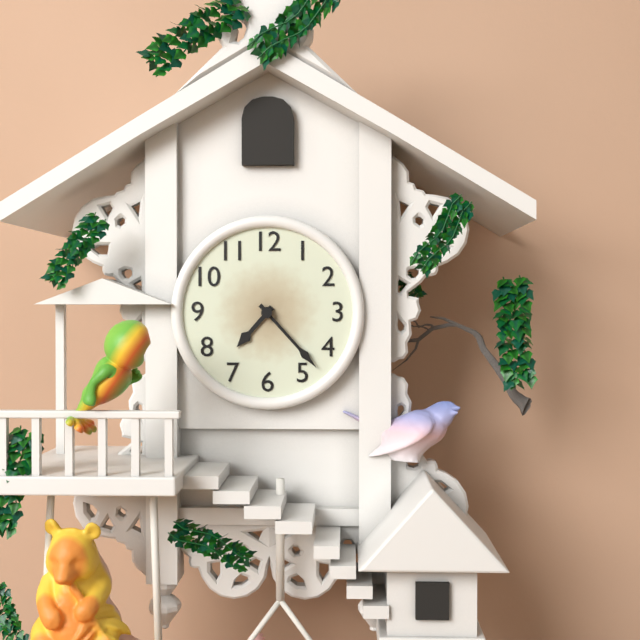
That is 7,23
